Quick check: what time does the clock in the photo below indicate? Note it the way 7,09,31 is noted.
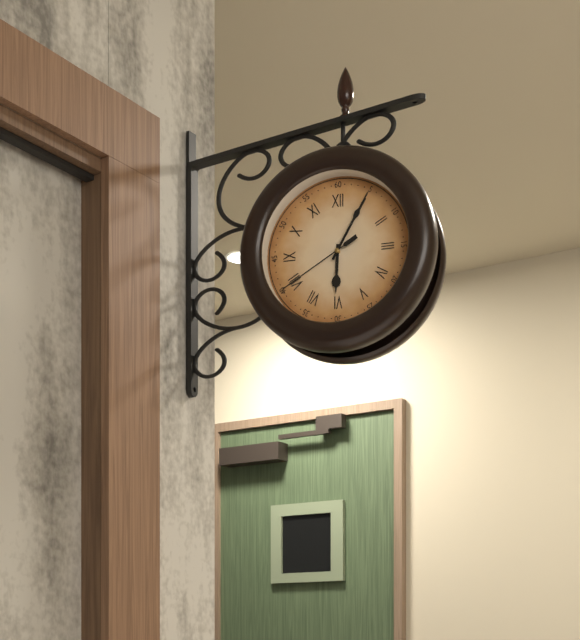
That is 6,05,40
